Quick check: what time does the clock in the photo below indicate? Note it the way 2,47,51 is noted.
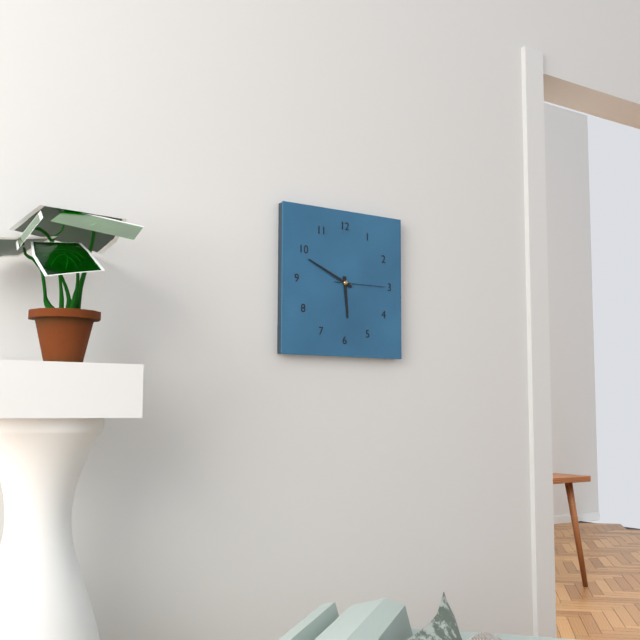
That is 5,49,15
